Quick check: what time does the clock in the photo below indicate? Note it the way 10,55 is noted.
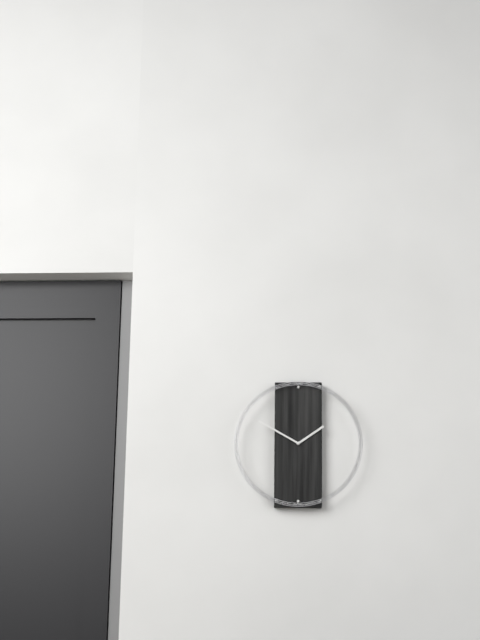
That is 1,50
